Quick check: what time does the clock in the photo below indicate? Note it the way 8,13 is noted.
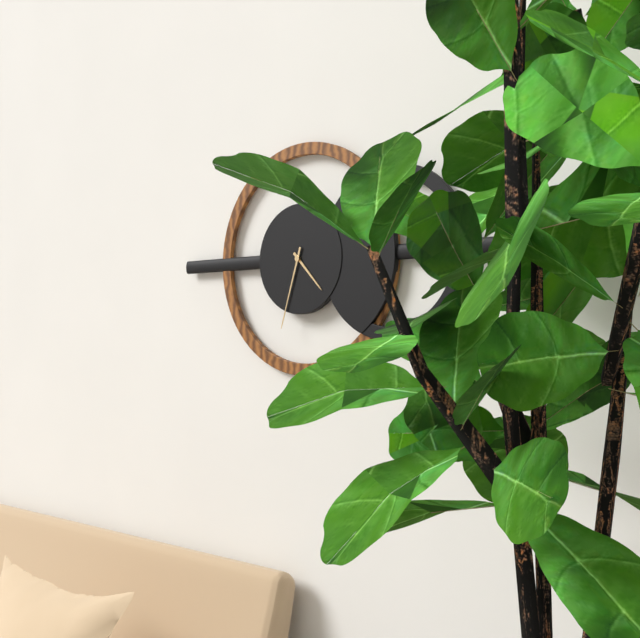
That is 4,33
